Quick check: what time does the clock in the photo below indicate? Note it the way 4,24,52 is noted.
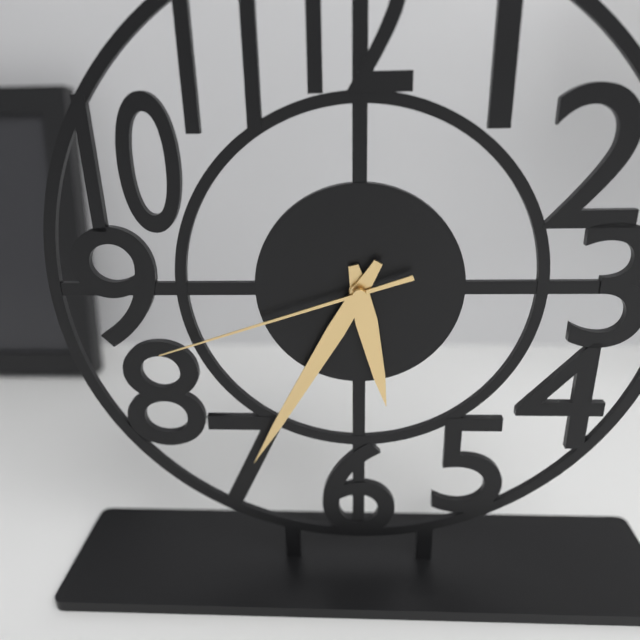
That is 5,35,42
